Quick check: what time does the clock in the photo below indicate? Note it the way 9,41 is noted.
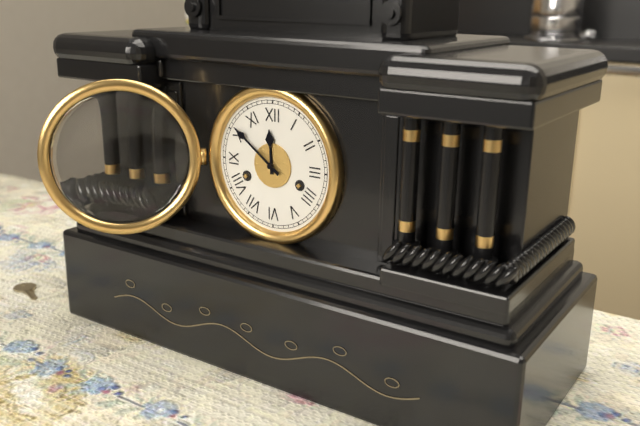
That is 11,51
